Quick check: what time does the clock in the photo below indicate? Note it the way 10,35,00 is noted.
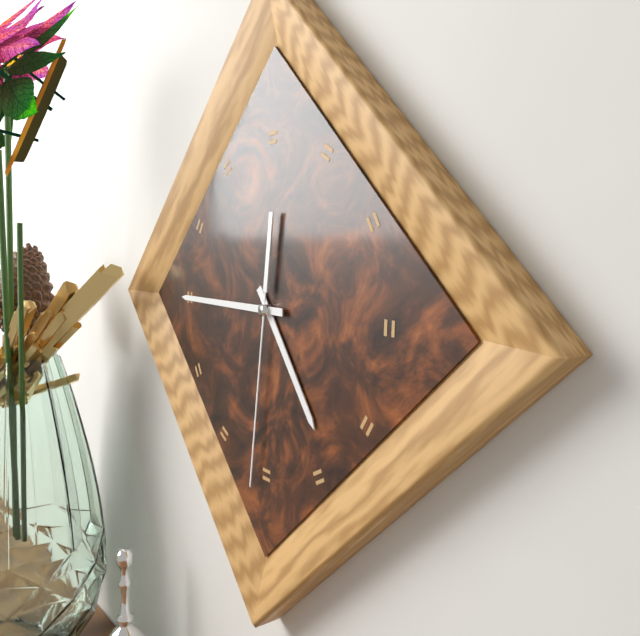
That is 4,45,31
